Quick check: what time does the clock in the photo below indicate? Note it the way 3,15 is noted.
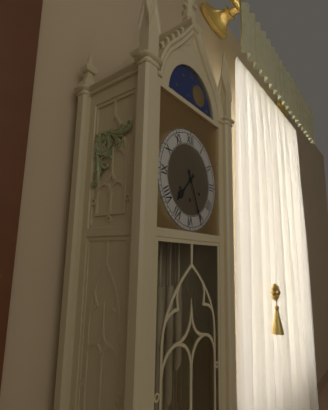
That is 7,26
